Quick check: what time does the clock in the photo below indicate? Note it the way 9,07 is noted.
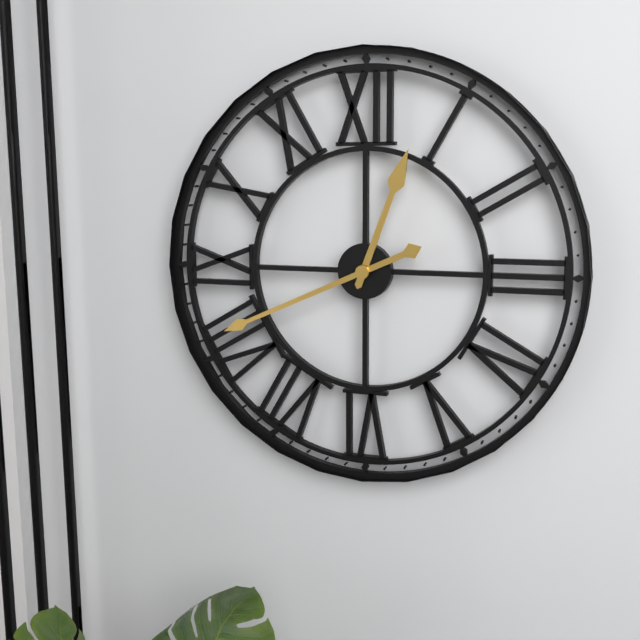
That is 12,41
